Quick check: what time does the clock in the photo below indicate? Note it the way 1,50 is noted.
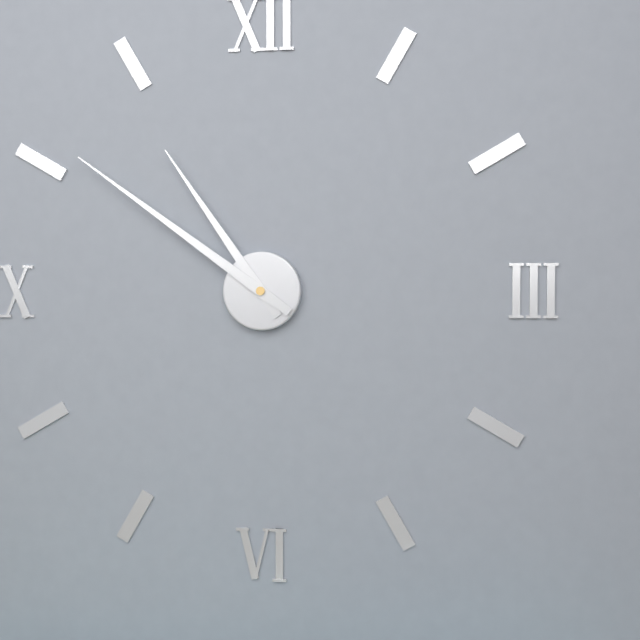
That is 10,51
